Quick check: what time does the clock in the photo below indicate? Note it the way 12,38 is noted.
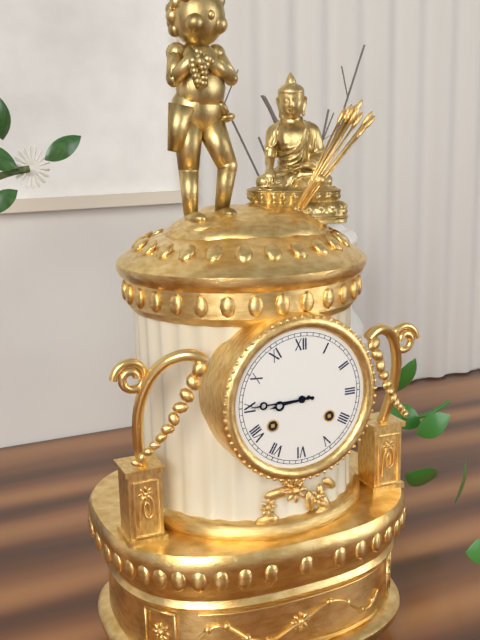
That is 8,45
